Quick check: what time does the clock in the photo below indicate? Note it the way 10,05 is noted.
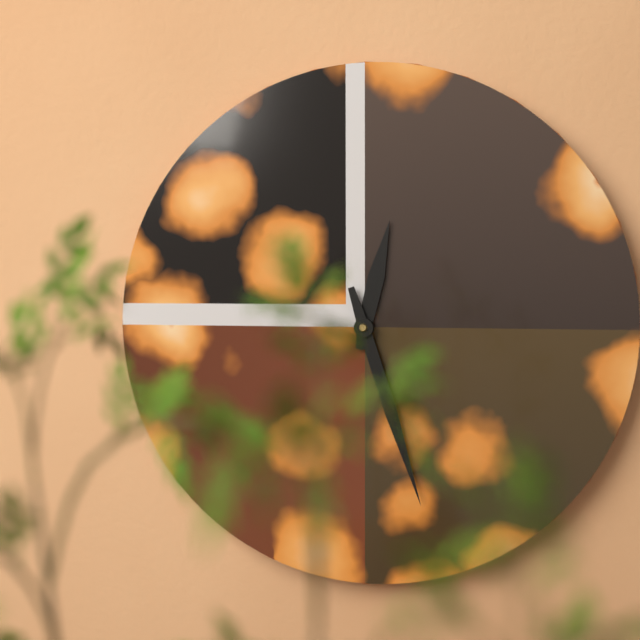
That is 12,27
